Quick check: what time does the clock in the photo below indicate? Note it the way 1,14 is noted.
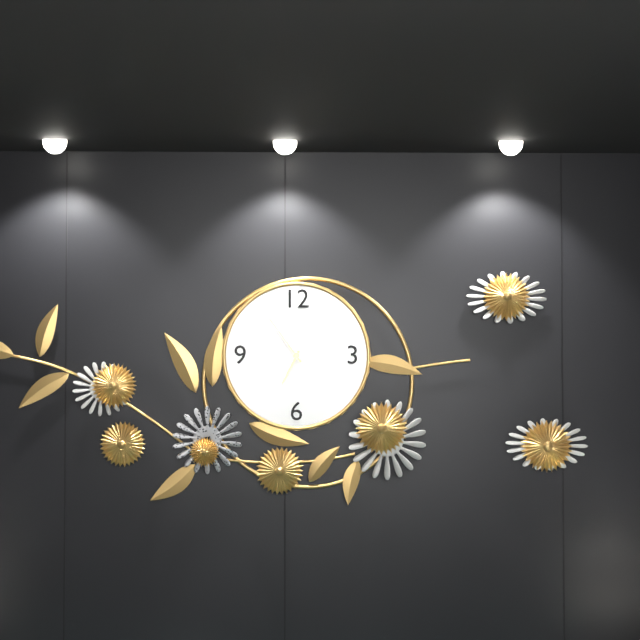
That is 6,54
